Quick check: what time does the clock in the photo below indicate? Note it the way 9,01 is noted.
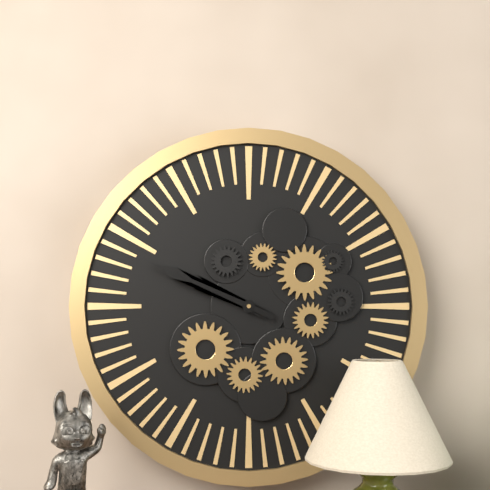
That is 9,49
